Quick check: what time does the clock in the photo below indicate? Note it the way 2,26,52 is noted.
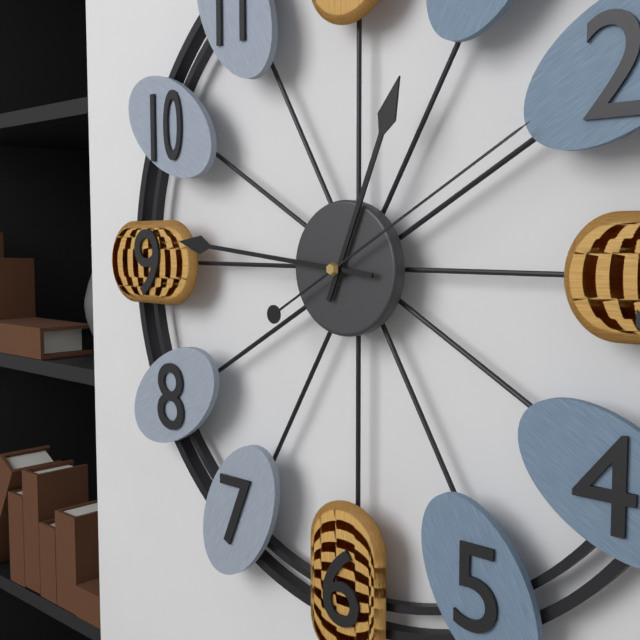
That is 12,46,10
